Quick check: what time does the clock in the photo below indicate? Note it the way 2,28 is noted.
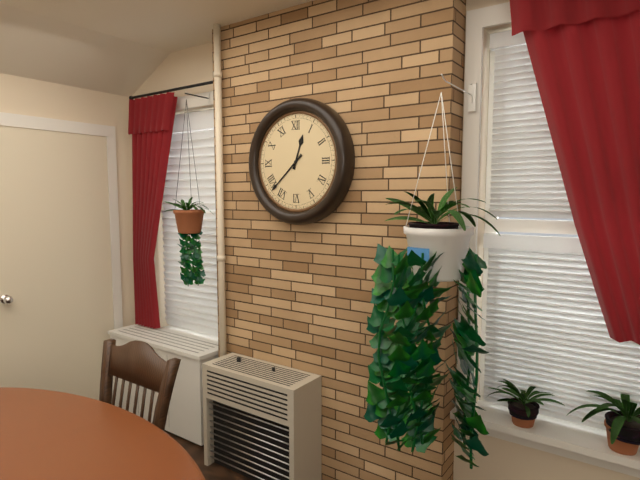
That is 12,38
